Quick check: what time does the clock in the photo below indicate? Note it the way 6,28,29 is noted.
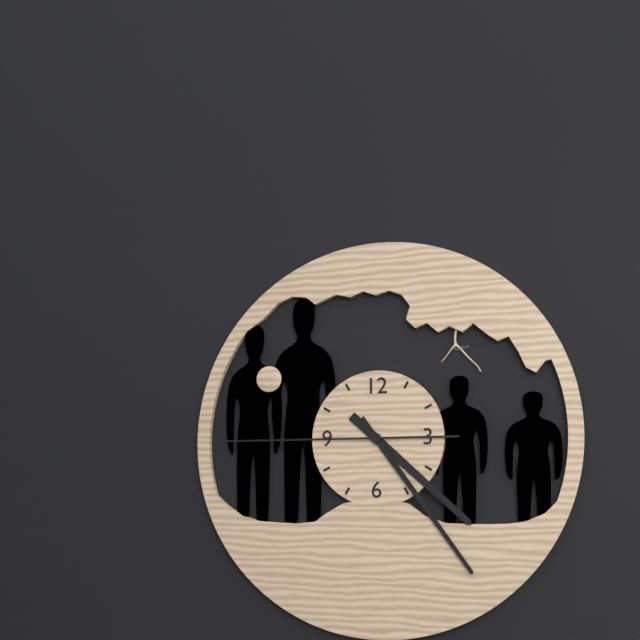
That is 4,24,45
